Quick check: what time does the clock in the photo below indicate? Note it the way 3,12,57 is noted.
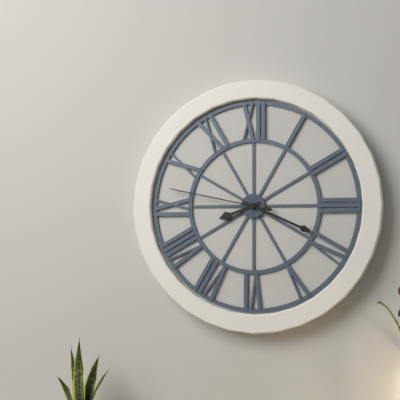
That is 8,19,47
